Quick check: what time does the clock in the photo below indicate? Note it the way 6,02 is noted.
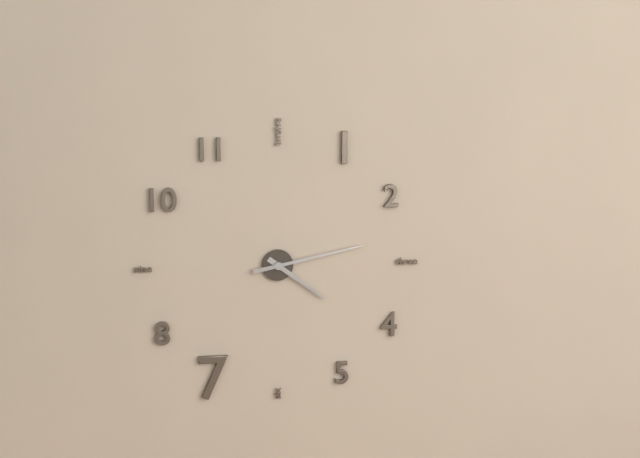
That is 4,13
